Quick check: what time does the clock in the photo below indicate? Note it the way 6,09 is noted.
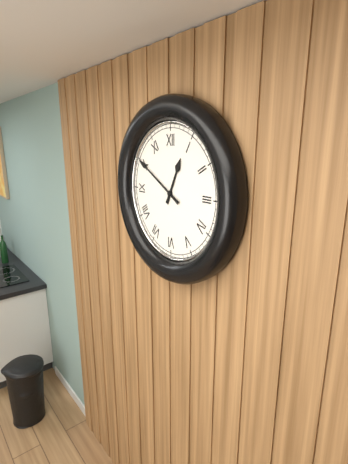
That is 12,50
